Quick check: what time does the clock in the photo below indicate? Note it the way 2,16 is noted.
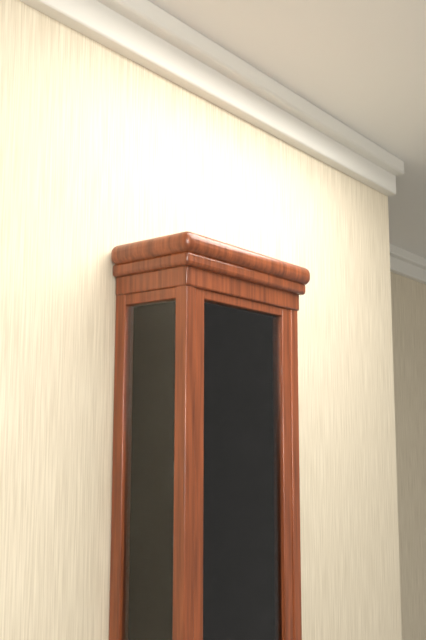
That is 1,03
